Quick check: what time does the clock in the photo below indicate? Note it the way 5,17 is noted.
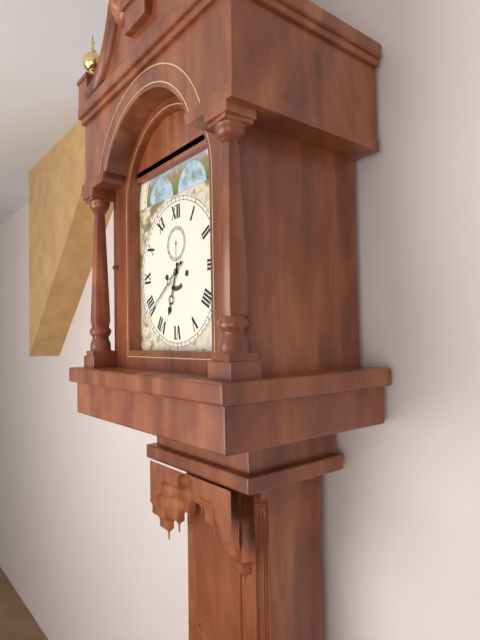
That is 6,39
